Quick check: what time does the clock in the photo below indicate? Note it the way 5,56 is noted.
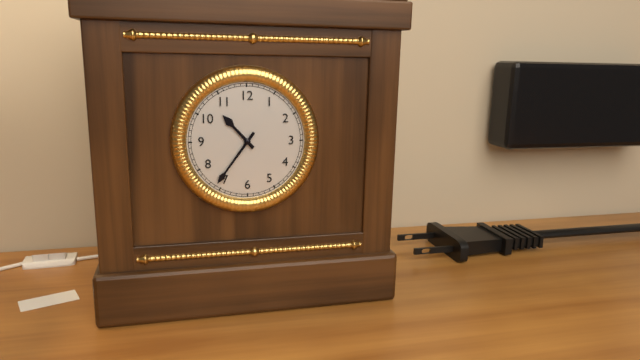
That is 10,36
